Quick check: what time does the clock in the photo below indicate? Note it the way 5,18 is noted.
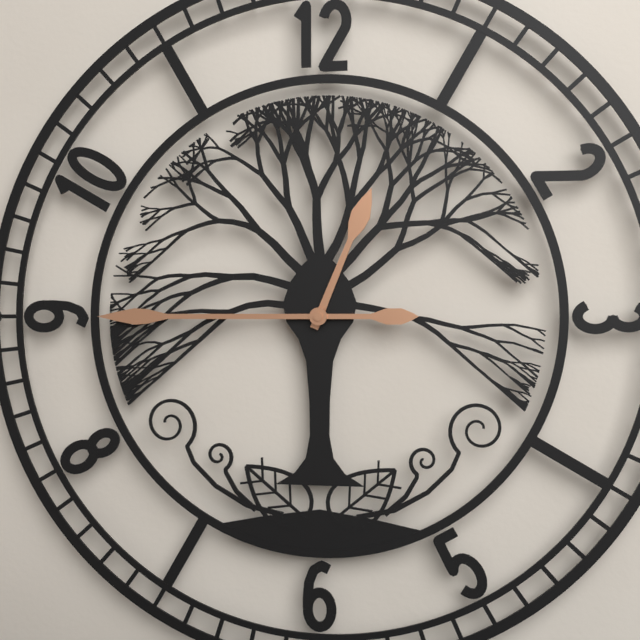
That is 12,45
